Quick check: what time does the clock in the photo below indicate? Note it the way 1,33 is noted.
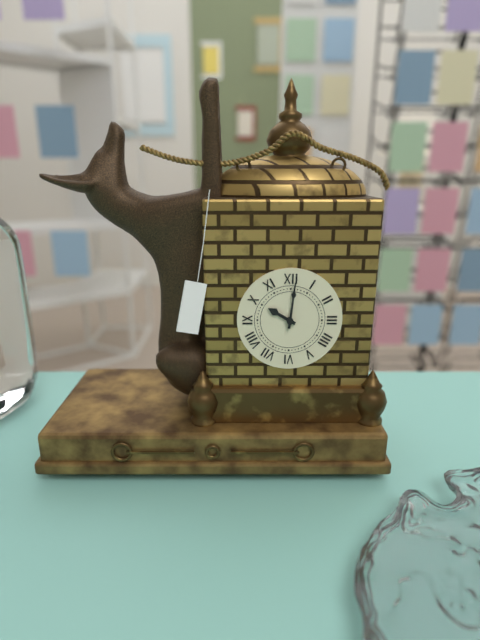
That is 10,01
